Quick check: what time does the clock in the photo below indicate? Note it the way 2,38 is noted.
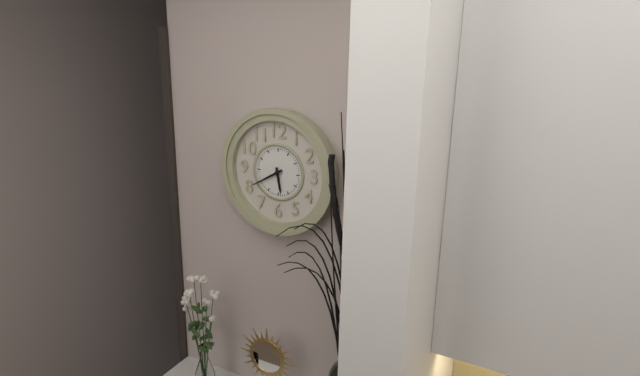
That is 5,40
